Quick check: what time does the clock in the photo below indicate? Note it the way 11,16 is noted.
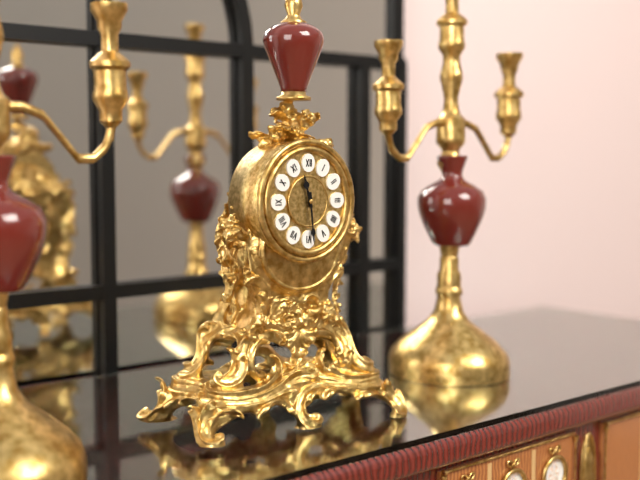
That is 11,29
